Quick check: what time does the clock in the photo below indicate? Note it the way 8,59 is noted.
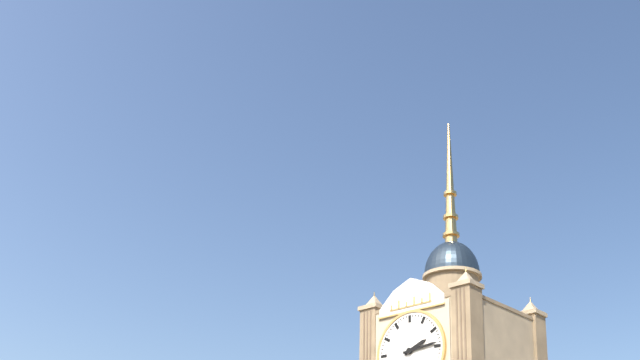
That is 2,14
